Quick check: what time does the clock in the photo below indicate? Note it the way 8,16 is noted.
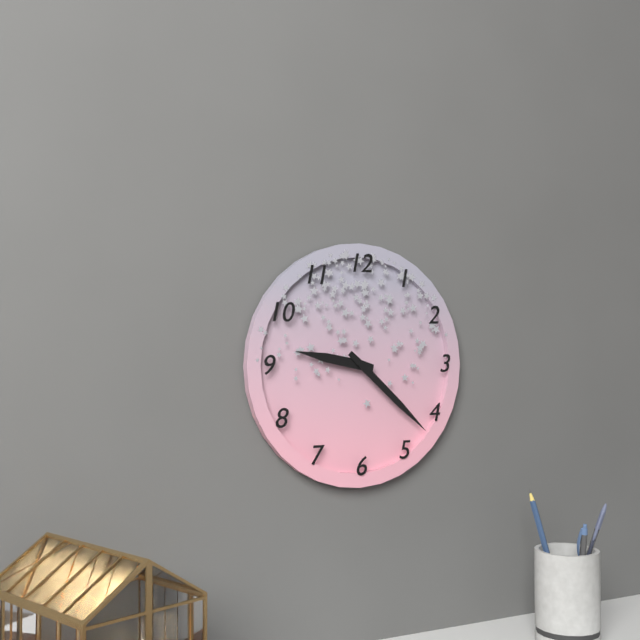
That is 9,22
